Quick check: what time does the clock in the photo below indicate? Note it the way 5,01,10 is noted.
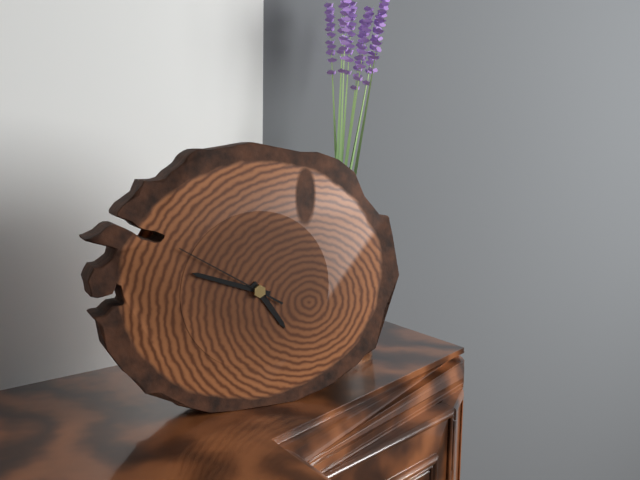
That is 4,48,50
